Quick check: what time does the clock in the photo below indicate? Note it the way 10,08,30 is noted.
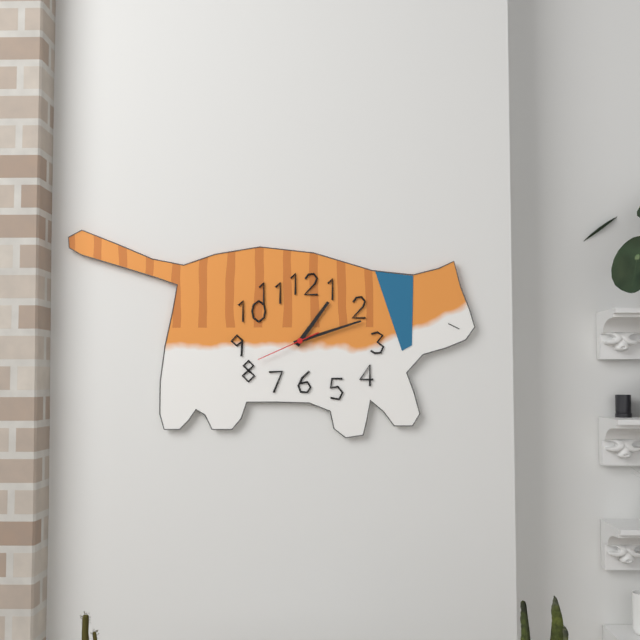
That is 1,12,41
